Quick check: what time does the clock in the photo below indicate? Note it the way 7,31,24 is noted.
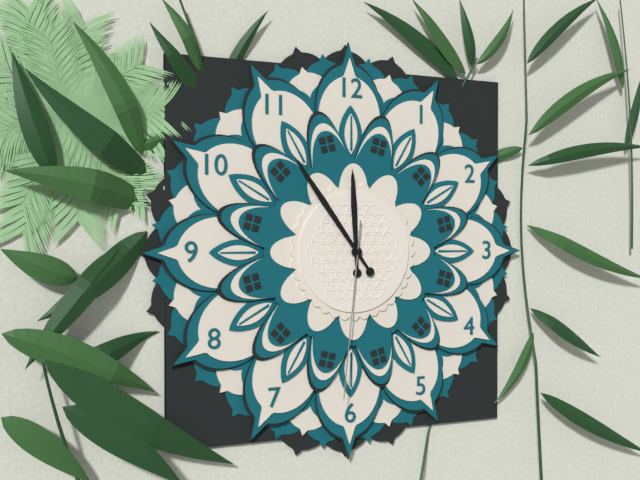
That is 11,54,31
